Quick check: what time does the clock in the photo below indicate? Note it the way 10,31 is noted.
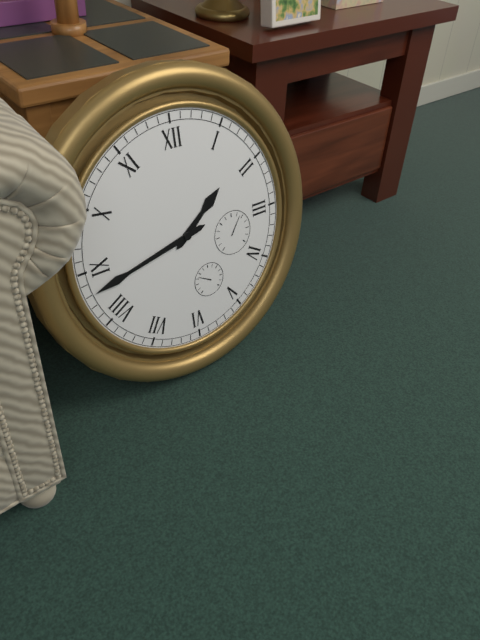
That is 1,43
